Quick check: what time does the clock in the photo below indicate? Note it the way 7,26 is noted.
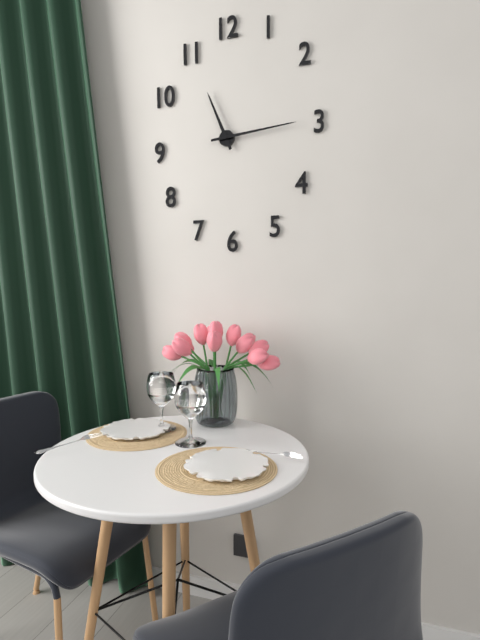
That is 11,14
